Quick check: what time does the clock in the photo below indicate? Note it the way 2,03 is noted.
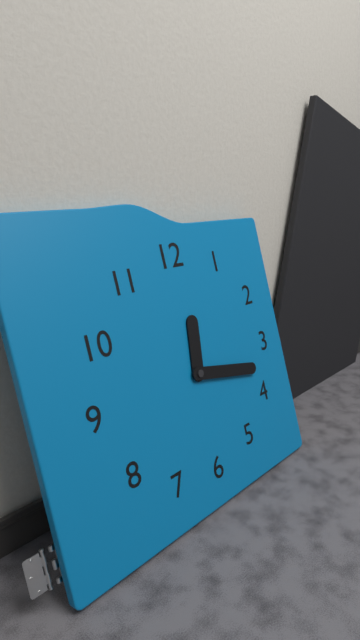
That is 12,17
